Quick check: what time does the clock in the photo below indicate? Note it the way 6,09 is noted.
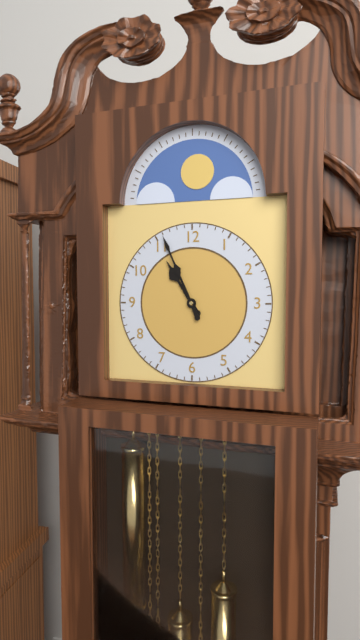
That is 10,56
